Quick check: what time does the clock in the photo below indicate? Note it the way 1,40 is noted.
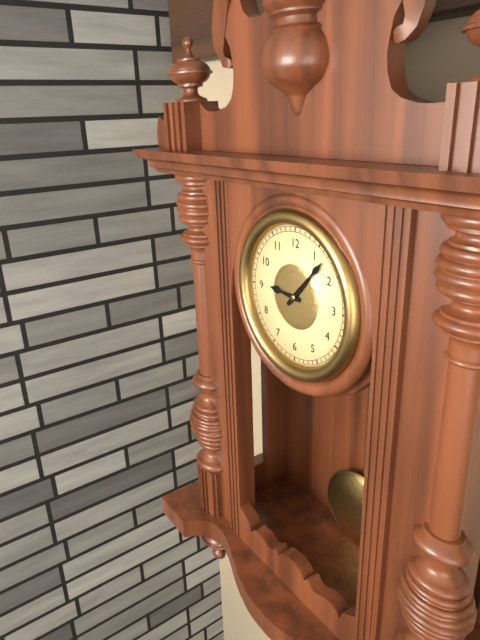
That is 9,07
